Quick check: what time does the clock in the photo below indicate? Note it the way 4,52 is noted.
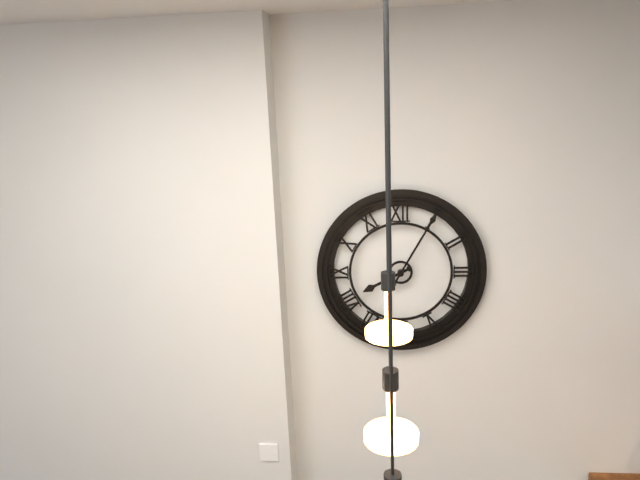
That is 8,05
